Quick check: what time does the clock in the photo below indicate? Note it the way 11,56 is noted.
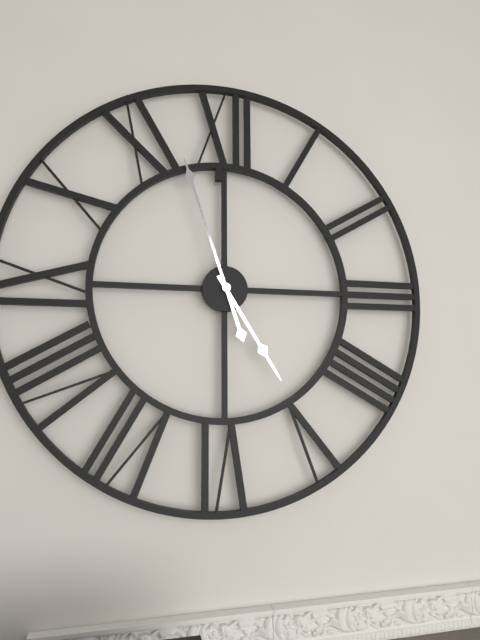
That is 4,57
